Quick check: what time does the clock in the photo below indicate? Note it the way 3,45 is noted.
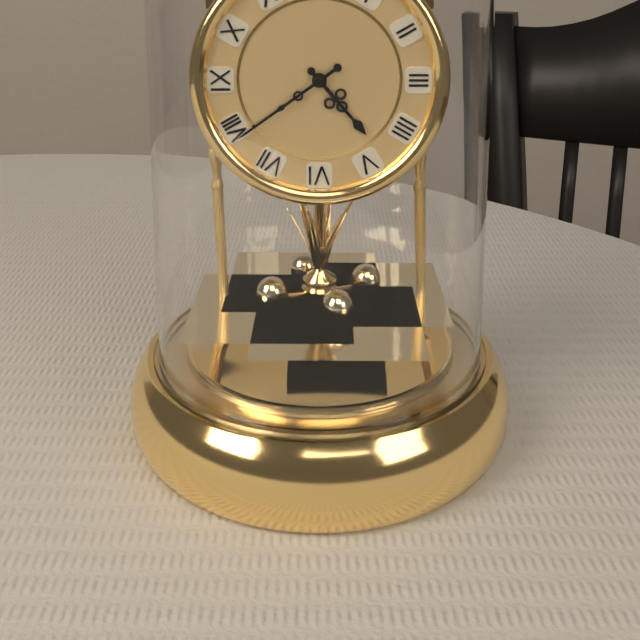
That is 4,39
